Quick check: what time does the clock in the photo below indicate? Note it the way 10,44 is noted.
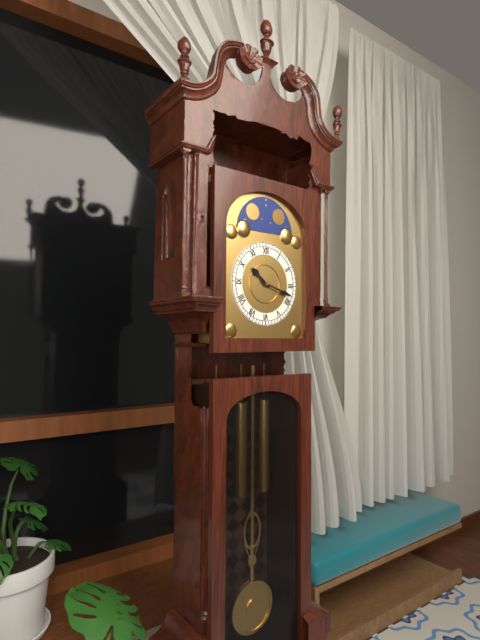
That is 10,18
